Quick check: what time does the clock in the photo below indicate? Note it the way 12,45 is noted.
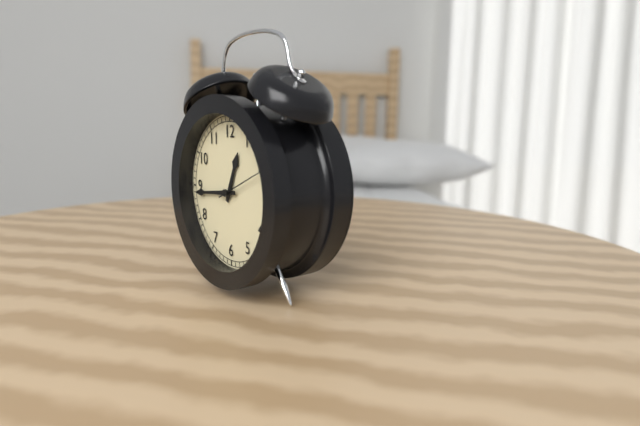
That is 12,44
